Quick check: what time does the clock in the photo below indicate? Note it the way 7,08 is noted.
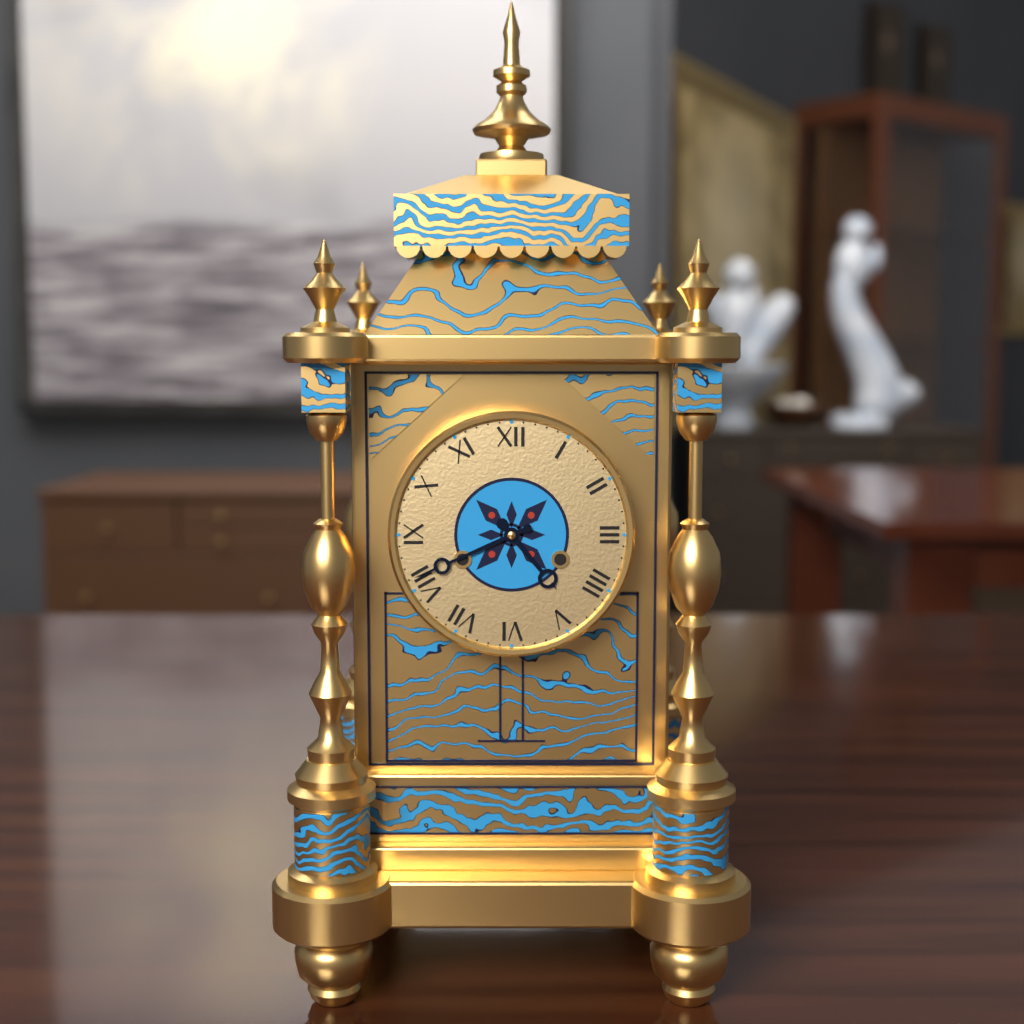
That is 4,41
